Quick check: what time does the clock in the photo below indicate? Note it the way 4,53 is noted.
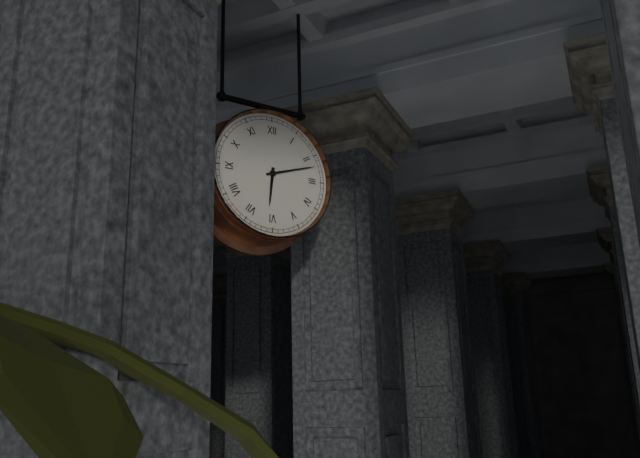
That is 6,12
